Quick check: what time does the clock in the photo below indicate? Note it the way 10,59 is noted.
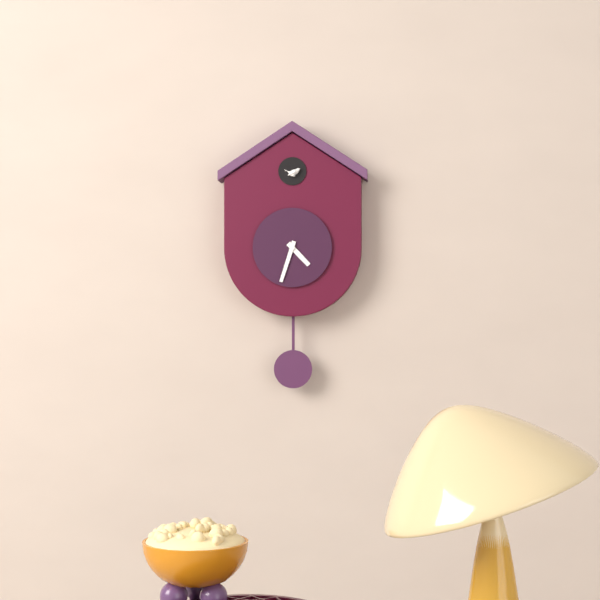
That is 4,33
